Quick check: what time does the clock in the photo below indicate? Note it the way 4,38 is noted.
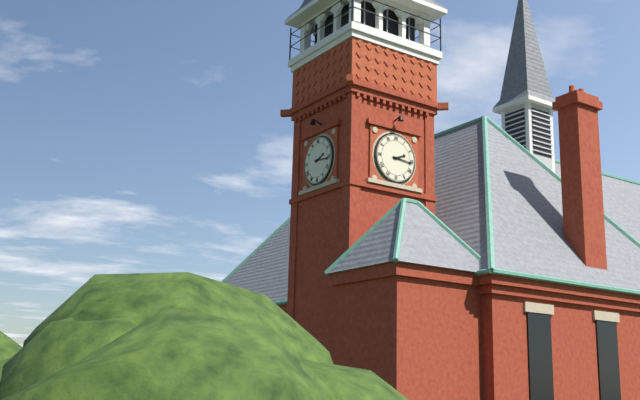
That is 2,16
